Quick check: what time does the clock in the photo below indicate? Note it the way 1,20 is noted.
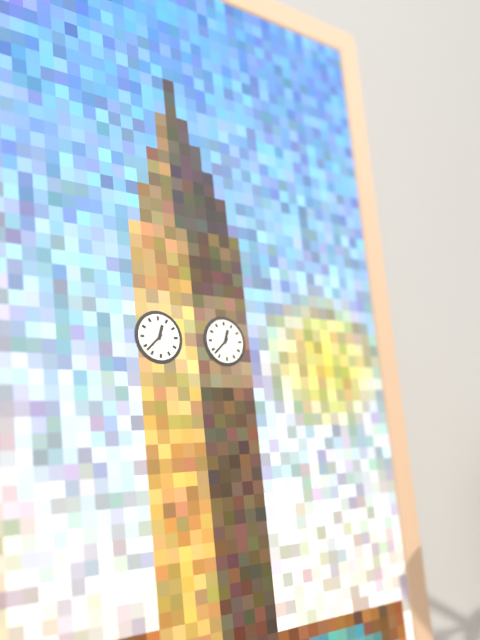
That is 12,38
